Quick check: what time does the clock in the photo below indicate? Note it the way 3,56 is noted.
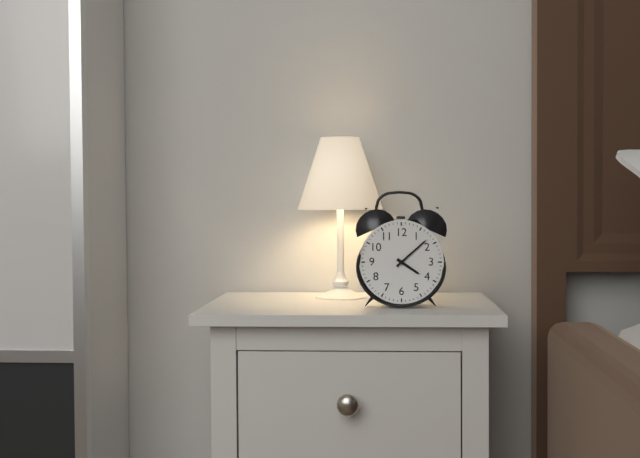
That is 4,08
